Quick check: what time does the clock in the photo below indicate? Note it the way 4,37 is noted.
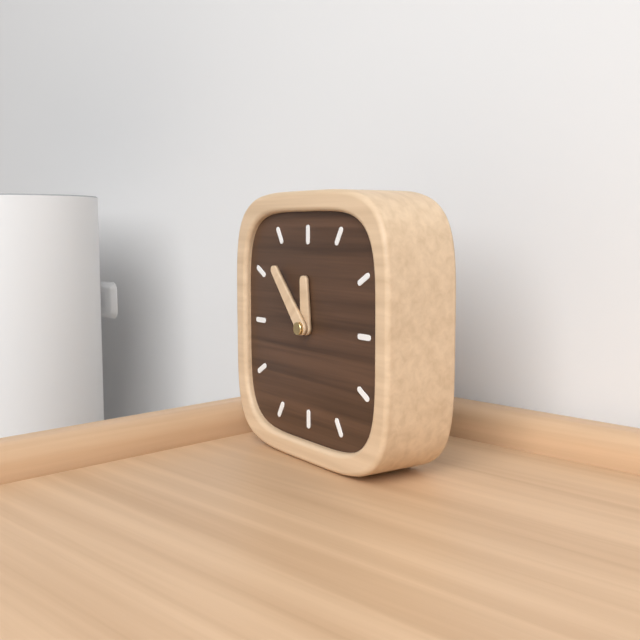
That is 11,53
